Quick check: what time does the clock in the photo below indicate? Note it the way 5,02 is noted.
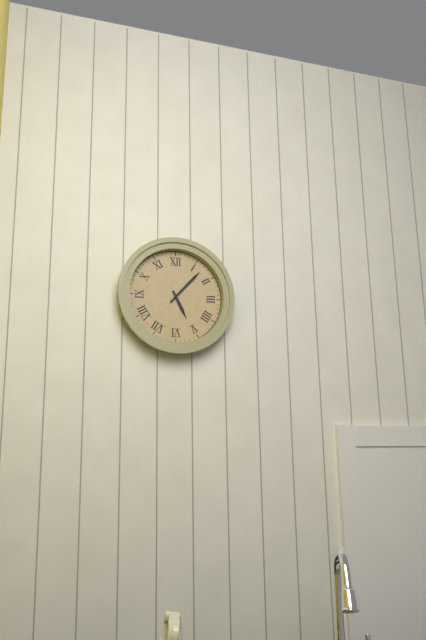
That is 5,07
